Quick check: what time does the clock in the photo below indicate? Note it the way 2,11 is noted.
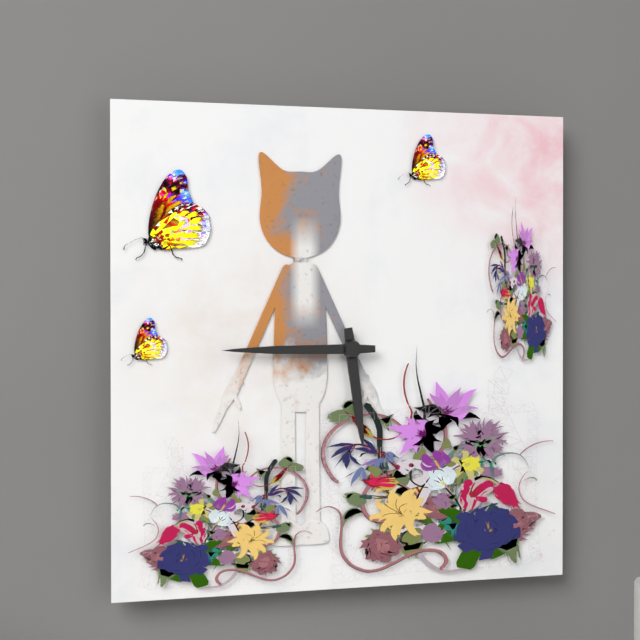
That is 5,45
